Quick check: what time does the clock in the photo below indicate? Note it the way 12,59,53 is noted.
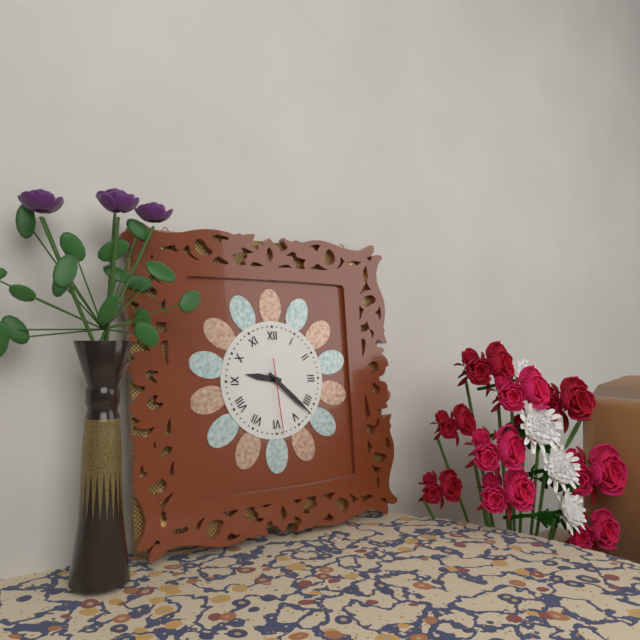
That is 9,22,29
